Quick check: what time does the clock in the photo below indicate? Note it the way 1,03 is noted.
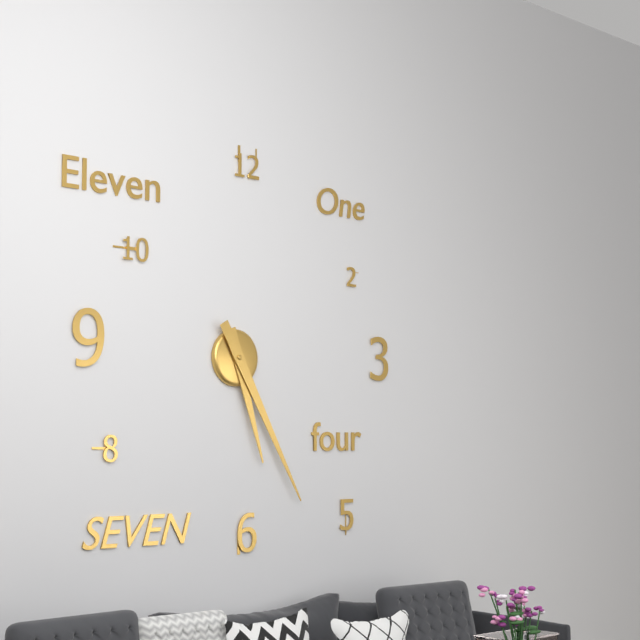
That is 5,25
